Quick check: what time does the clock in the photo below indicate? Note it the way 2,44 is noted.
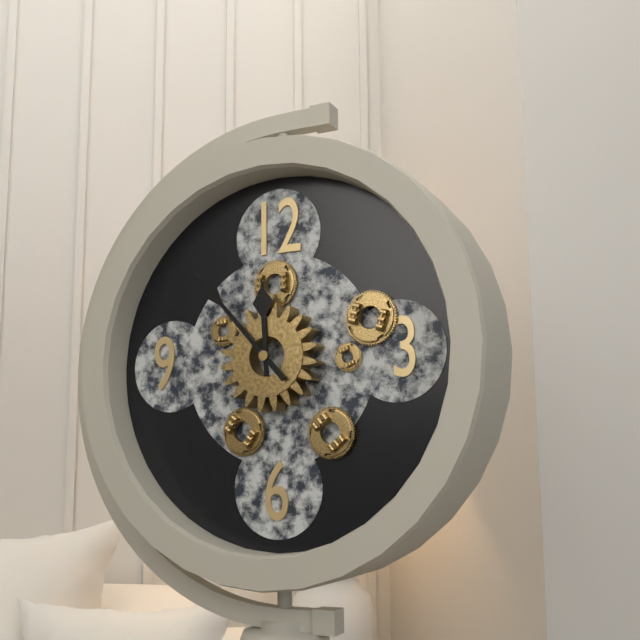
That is 11,53
